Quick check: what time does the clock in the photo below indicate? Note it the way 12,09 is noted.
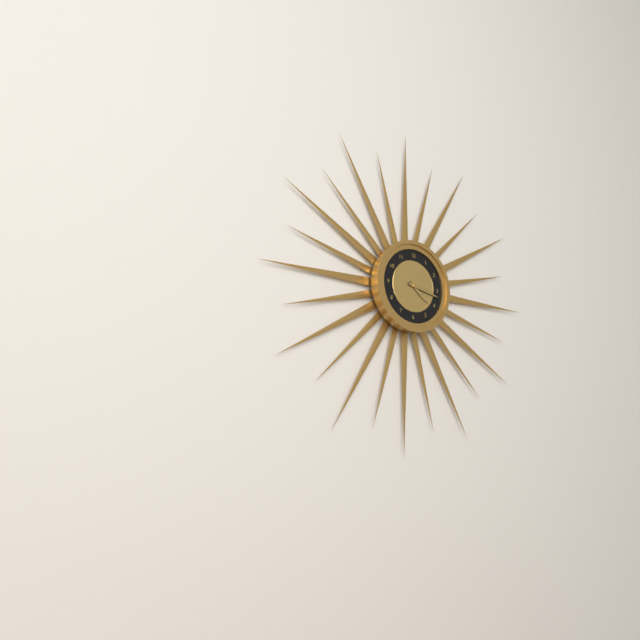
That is 4,17
